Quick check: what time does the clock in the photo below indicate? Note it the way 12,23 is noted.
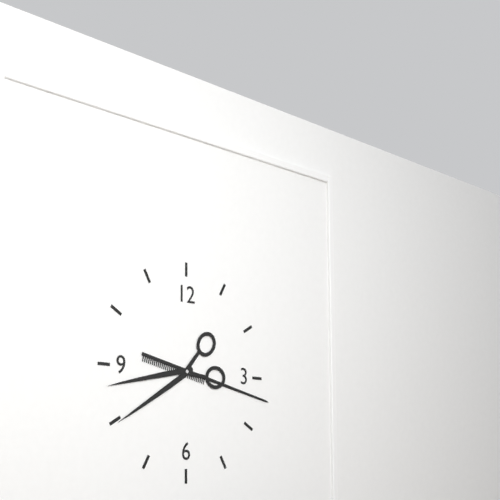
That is 8,17
